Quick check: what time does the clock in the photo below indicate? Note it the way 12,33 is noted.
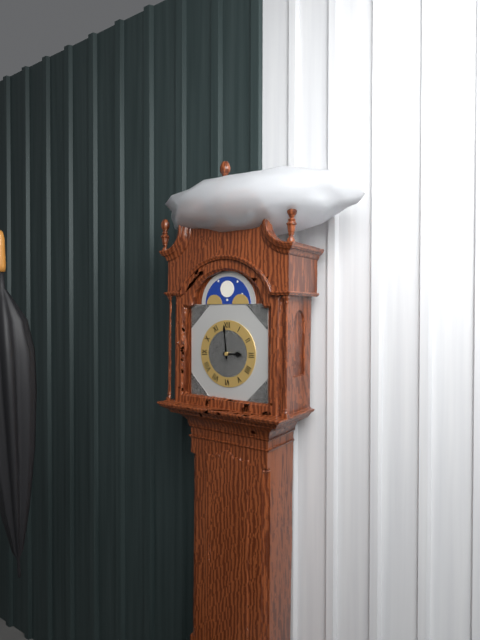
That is 2,59
